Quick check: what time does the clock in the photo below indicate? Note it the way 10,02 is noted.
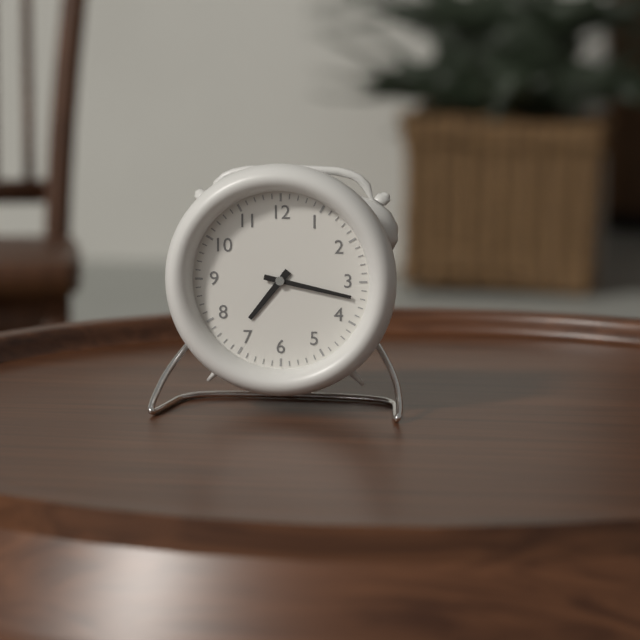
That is 7,17
